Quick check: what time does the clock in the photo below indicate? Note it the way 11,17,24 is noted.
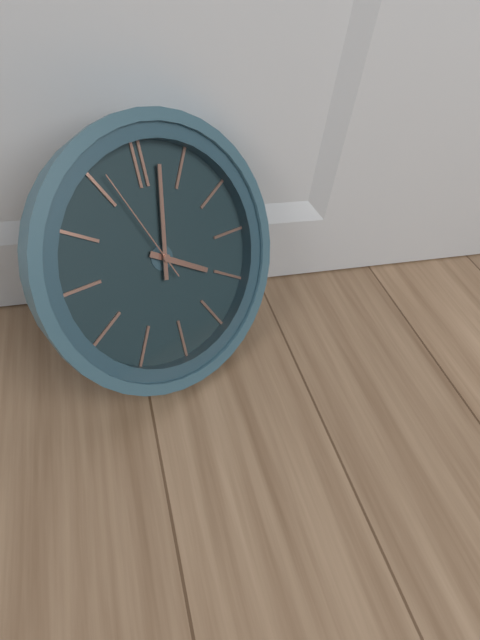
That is 4,02,56
